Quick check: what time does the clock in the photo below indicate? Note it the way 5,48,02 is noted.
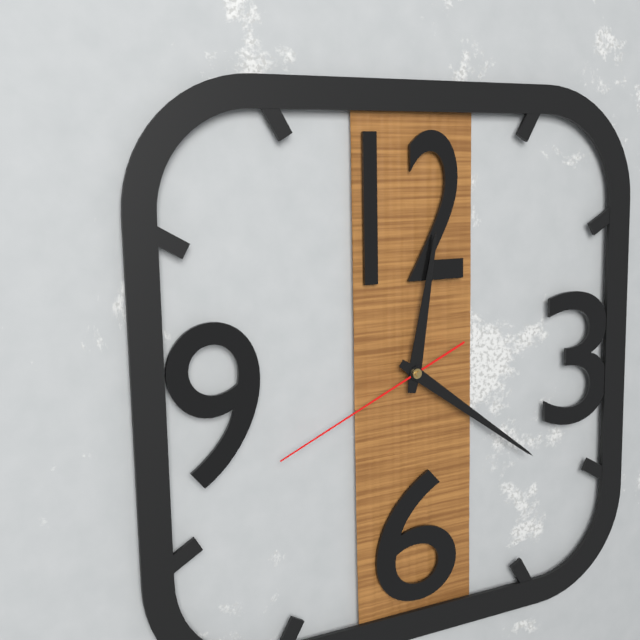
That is 12,21,41
